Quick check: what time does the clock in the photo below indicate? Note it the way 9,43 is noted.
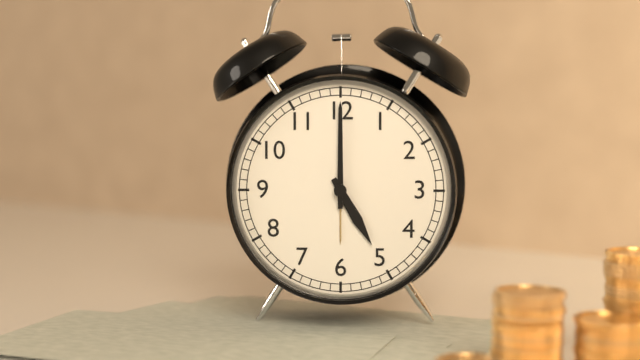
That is 5,00
